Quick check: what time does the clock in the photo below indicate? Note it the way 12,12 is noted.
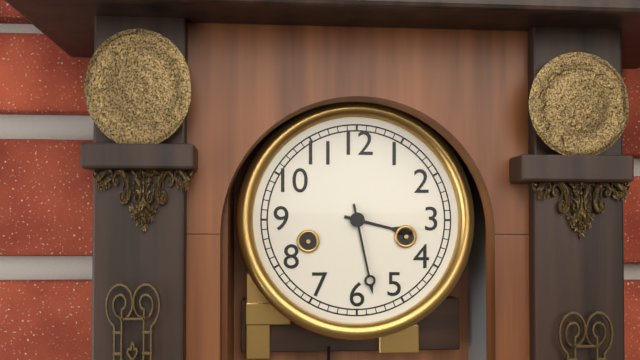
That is 3,28
